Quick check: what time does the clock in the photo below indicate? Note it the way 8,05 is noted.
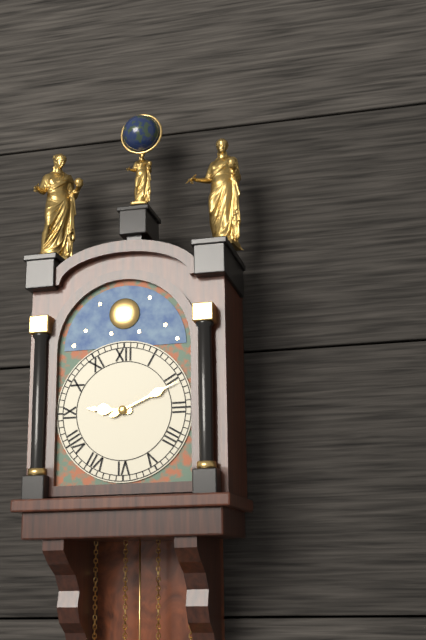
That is 9,11
